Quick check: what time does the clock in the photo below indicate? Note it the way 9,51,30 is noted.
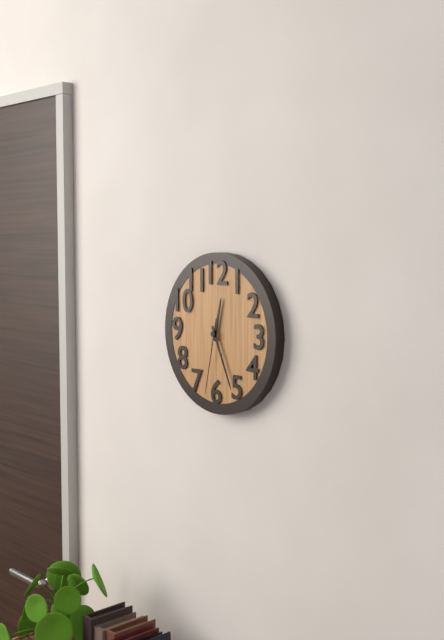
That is 12,26,32
